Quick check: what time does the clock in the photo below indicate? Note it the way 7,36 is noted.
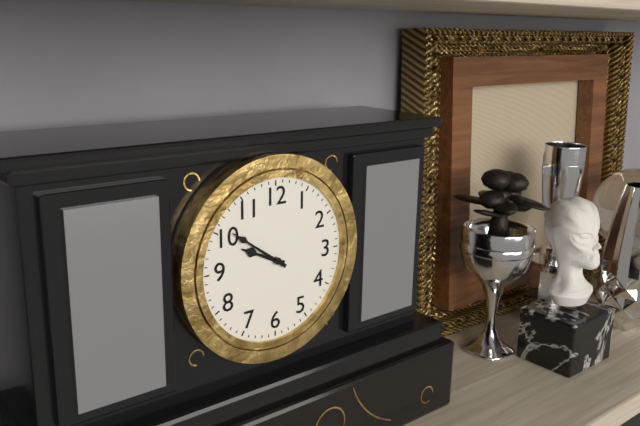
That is 9,51
